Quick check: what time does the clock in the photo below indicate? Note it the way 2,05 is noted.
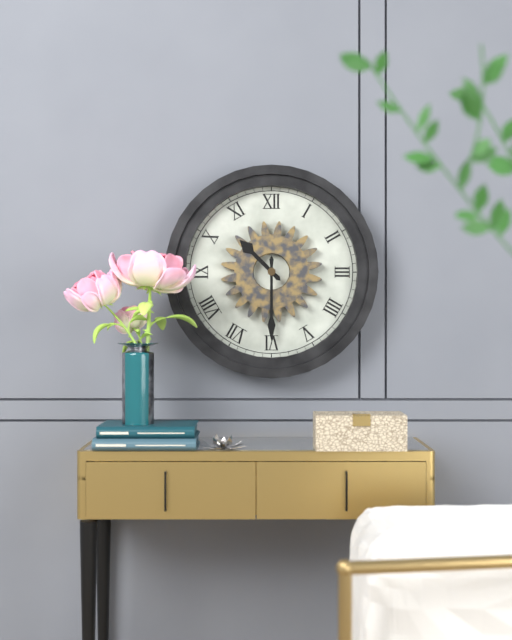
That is 10,30
